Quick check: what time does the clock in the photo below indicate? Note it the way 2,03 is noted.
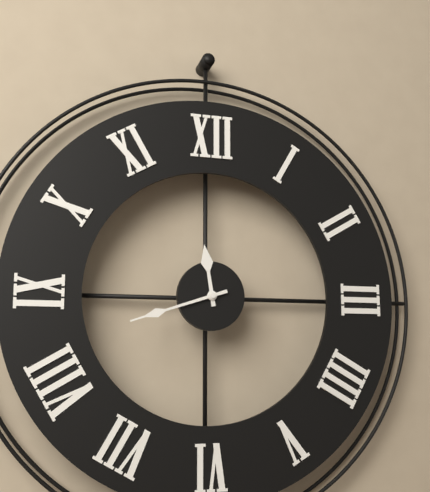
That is 11,42
